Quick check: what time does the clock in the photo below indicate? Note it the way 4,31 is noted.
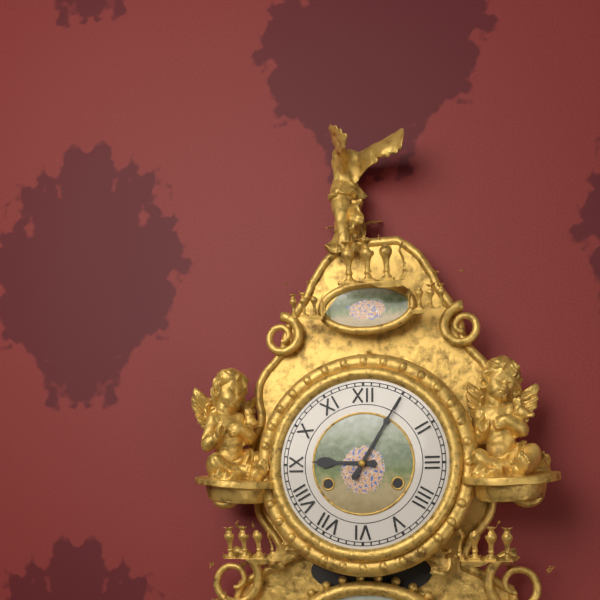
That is 9,05
